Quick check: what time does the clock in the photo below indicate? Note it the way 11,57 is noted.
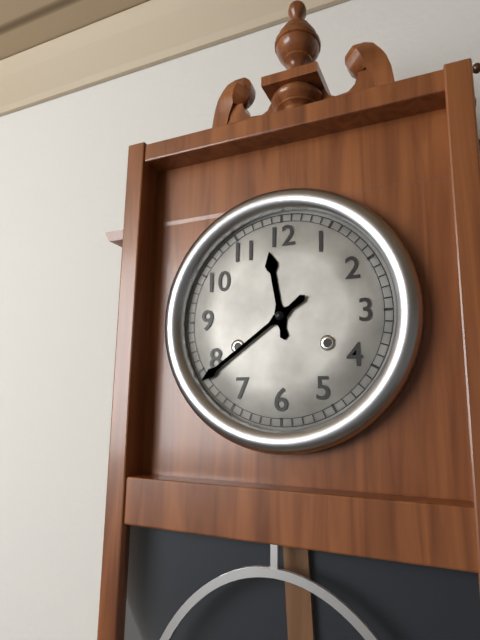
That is 11,39
